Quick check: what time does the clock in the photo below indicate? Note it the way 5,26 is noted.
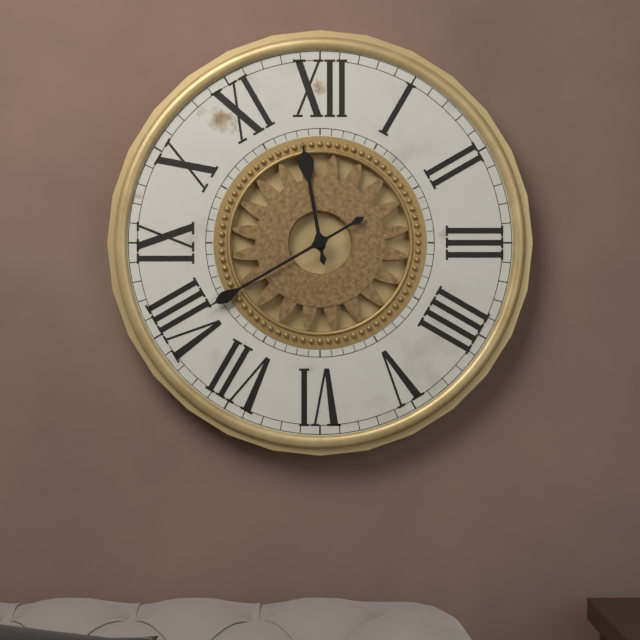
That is 11,40
